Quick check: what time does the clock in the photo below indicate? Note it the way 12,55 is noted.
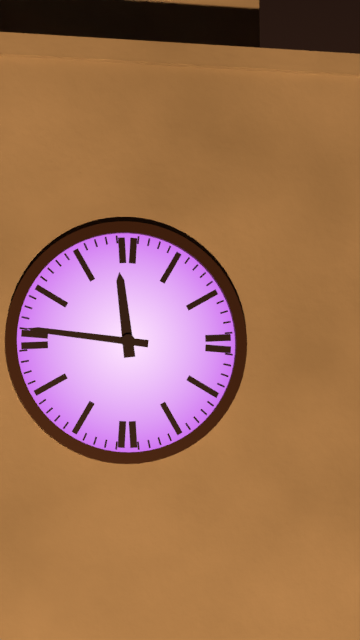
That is 11,46
